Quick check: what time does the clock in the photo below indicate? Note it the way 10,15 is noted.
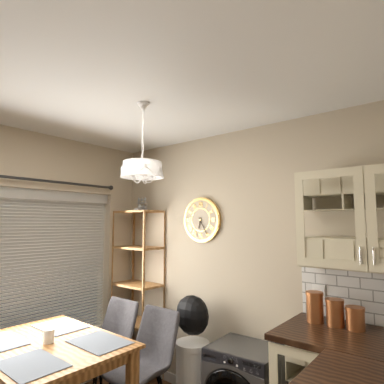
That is 6,25
